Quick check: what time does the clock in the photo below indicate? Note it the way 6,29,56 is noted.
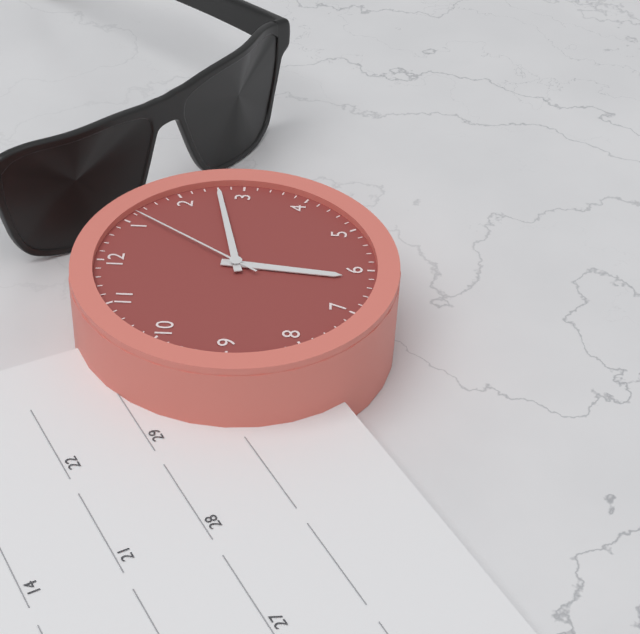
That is 6,13,06
